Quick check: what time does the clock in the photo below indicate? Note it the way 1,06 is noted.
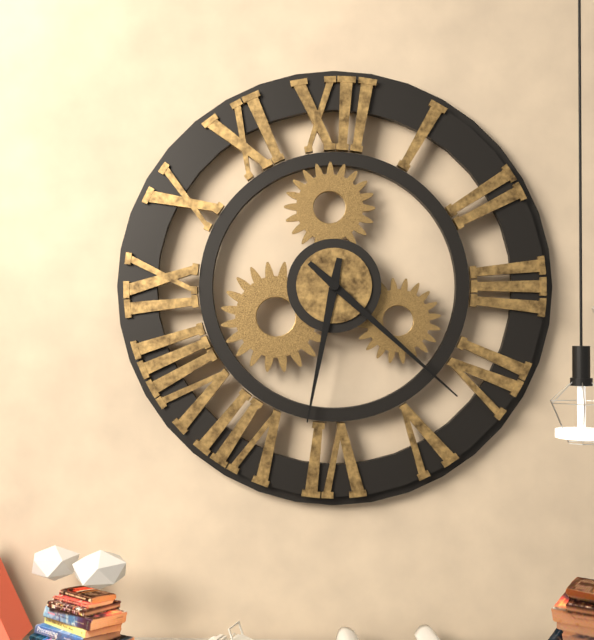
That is 6,22
